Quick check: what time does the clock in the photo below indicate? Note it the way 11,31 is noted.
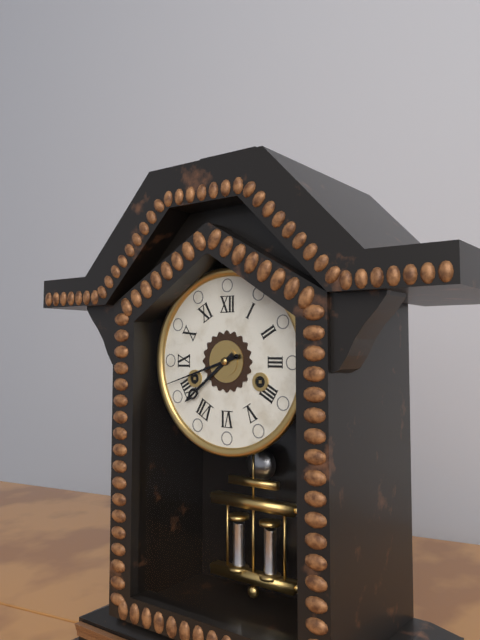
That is 7,42
